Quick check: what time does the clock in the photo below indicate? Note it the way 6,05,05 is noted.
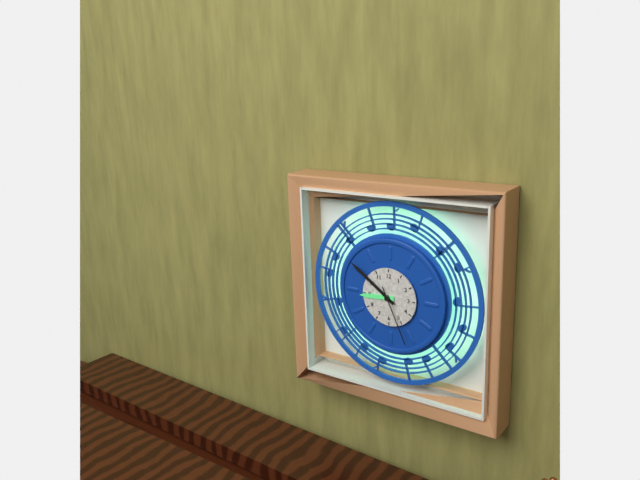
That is 8,51,26
